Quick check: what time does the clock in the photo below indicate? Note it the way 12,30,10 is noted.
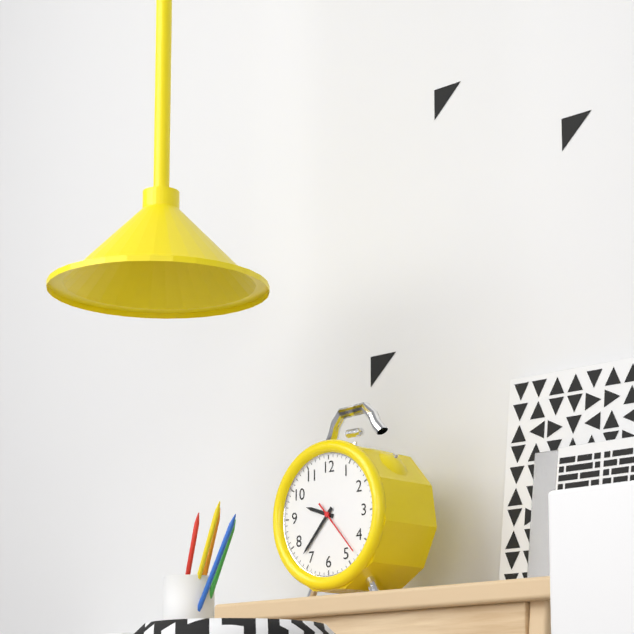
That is 9,37,23
